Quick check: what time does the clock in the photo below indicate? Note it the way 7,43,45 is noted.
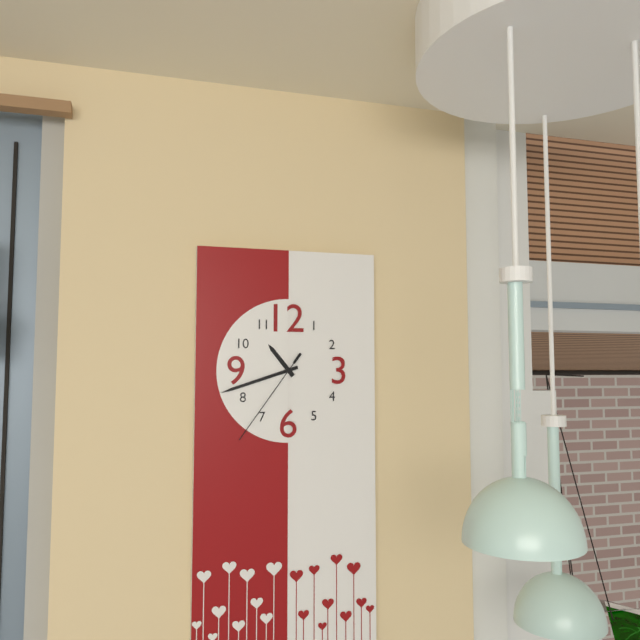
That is 10,42,36
